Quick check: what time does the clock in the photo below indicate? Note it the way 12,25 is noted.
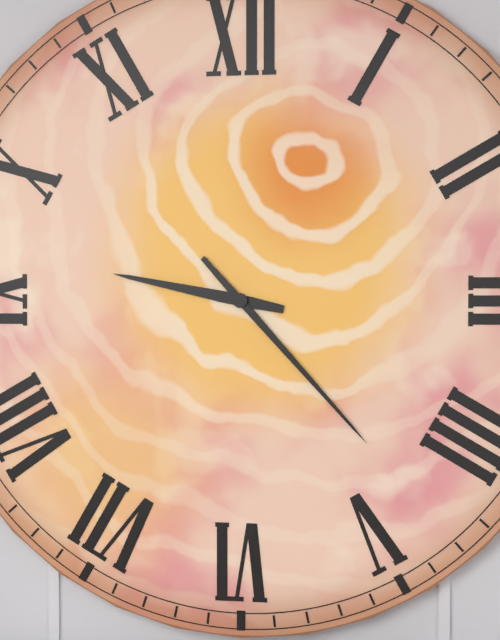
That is 9,23
